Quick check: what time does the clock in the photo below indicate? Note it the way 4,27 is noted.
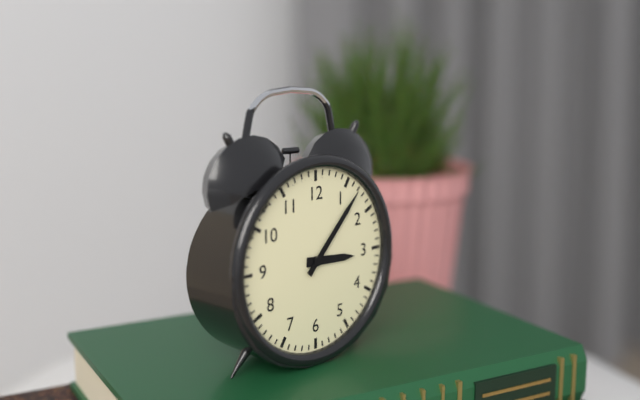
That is 3,07
